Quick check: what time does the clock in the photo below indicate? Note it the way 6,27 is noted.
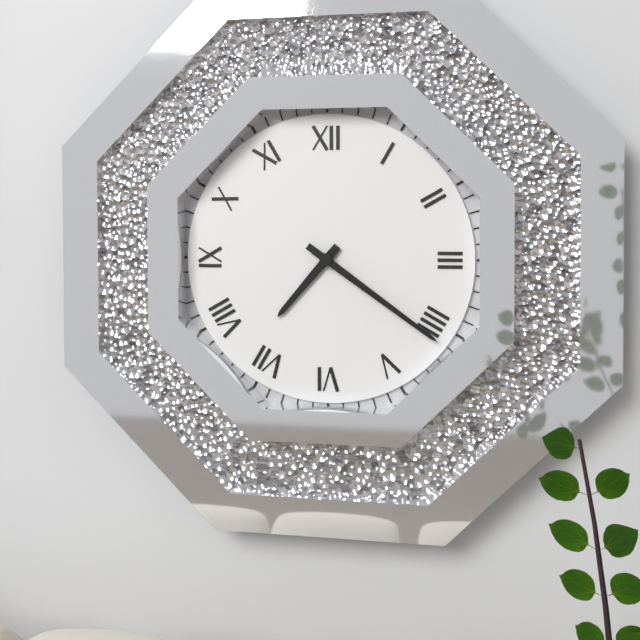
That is 7,21
